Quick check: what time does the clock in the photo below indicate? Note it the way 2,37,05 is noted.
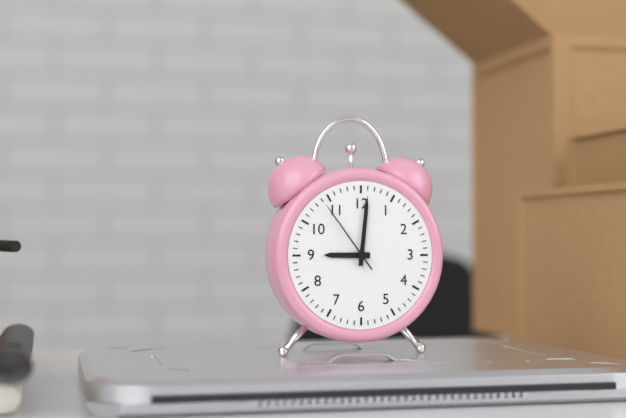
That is 9,01,54
